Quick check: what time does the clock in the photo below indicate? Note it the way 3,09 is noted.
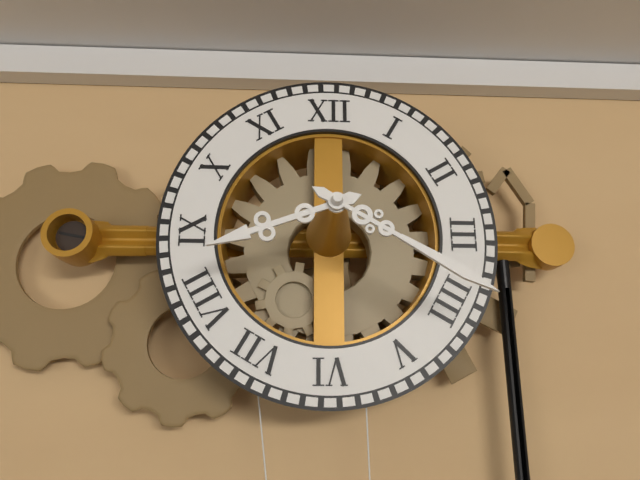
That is 8,20
